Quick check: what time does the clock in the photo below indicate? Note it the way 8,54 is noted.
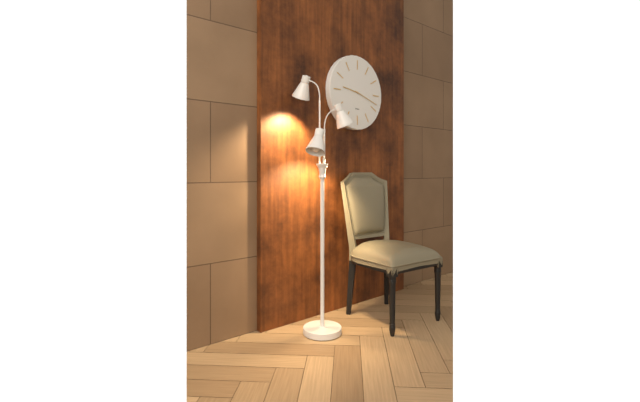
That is 9,18
